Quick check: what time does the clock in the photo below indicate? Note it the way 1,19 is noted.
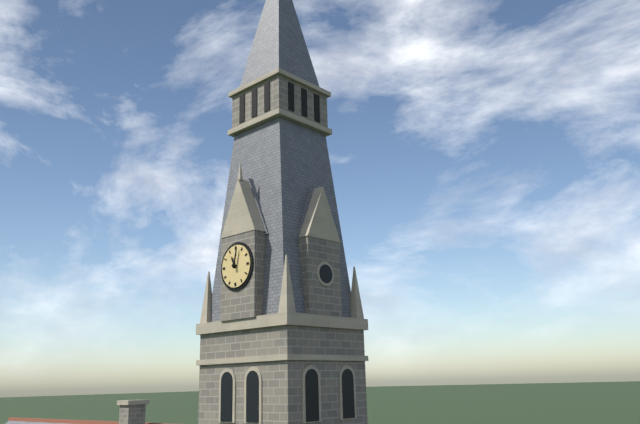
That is 11,02
